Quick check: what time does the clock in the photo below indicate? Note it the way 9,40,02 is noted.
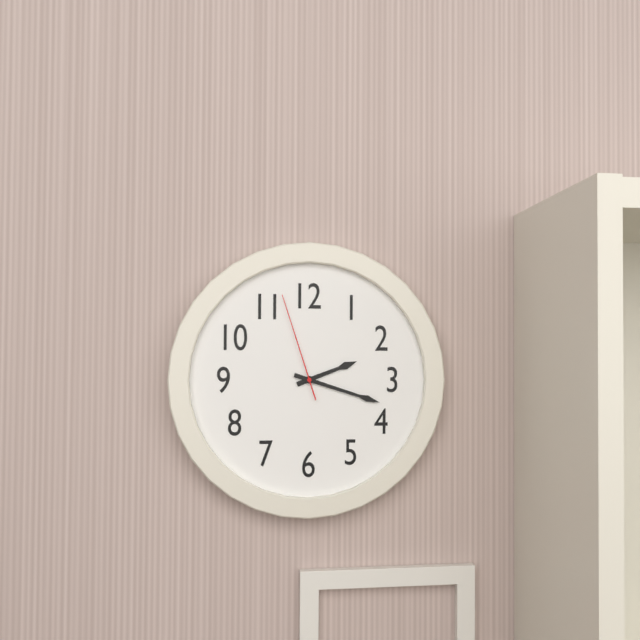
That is 2,18,57
